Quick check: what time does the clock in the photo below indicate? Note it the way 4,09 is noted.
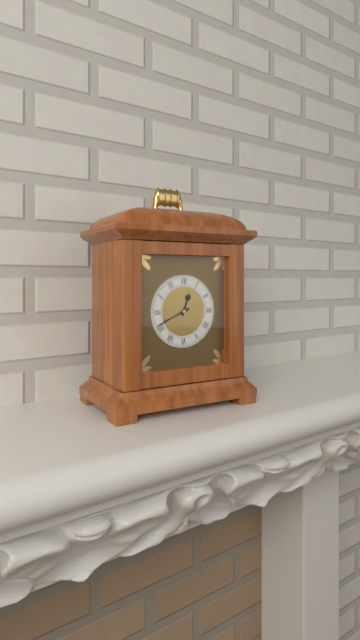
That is 12,41
